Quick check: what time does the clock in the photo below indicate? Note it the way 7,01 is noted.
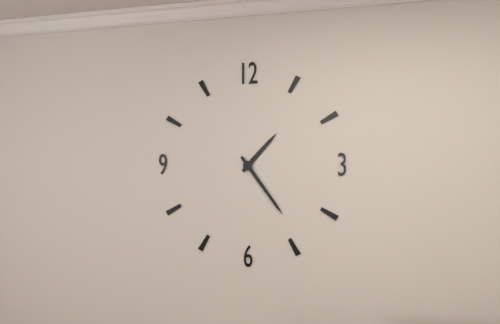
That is 1,24
